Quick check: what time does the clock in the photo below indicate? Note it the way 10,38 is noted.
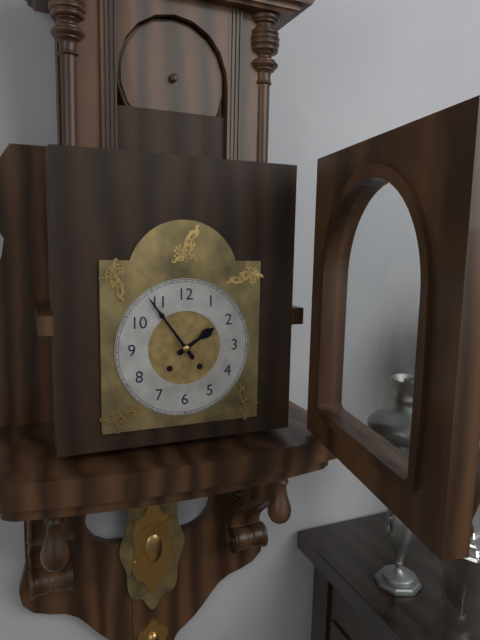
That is 1,54
